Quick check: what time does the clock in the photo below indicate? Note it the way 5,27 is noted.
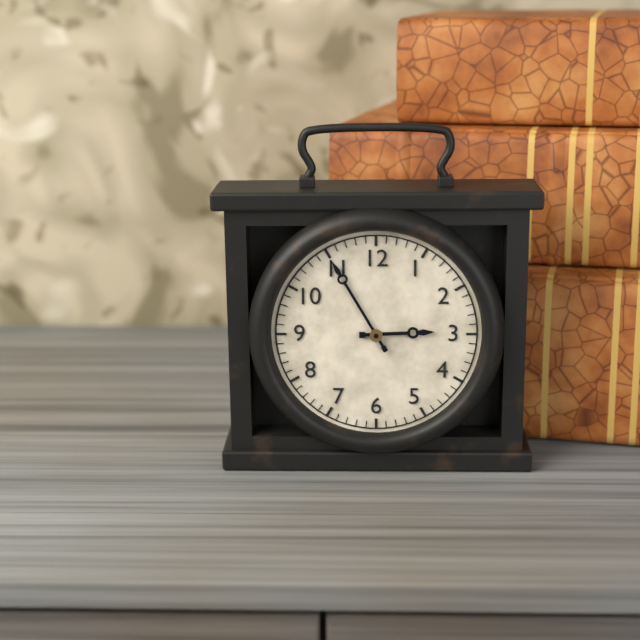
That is 2,55
